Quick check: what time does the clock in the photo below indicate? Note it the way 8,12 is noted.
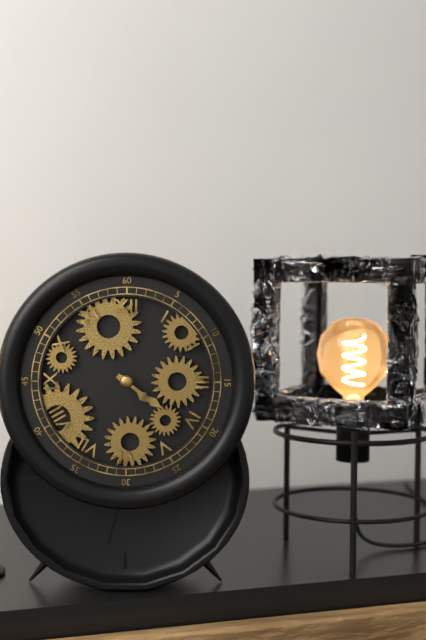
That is 4,21
